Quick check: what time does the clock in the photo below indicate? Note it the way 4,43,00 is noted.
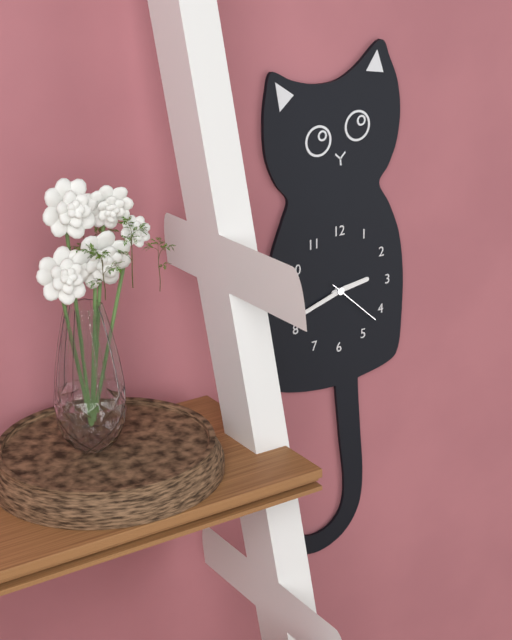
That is 2,42,22
